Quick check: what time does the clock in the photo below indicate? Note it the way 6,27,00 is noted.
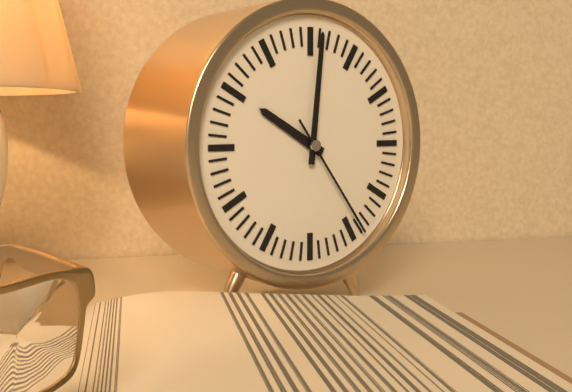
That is 10,01,24
